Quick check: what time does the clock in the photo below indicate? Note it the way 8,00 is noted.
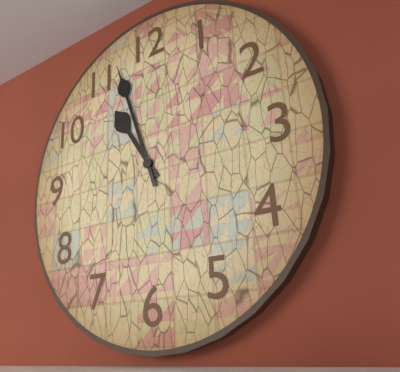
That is 10,57
